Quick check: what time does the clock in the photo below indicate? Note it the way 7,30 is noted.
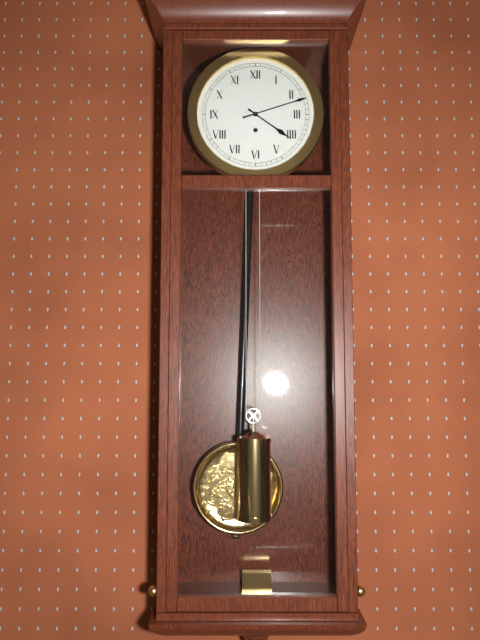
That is 4,12
